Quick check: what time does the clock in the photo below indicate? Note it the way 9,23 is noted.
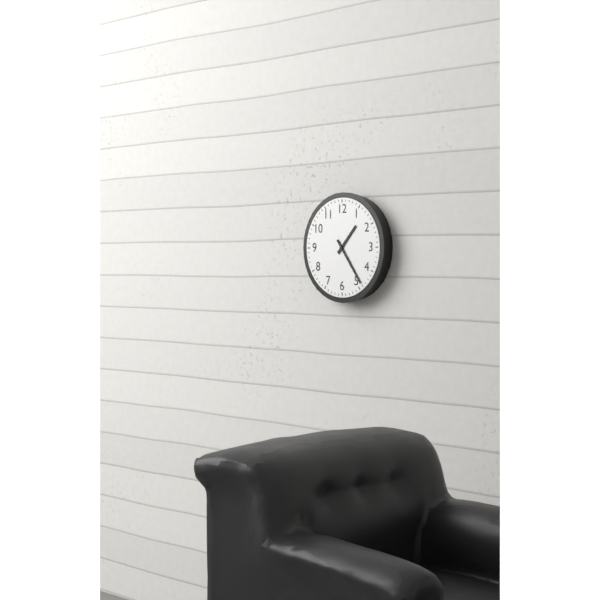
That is 1,24
